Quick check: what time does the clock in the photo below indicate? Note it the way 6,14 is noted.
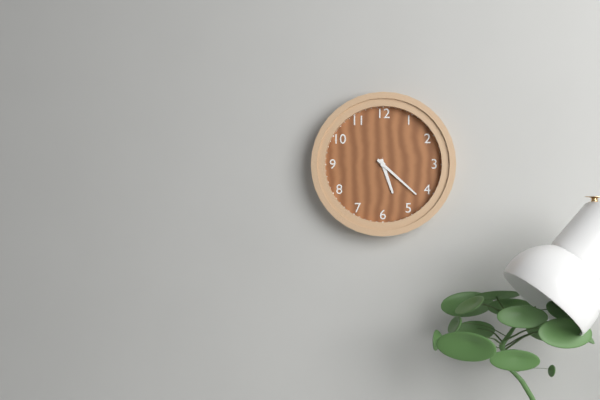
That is 5,22
